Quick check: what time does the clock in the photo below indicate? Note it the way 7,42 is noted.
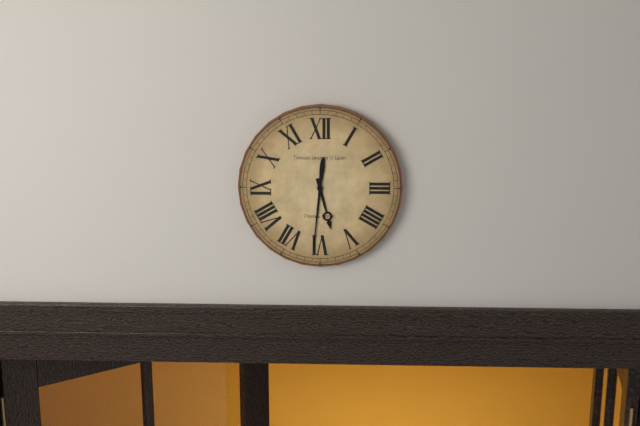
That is 5,31
